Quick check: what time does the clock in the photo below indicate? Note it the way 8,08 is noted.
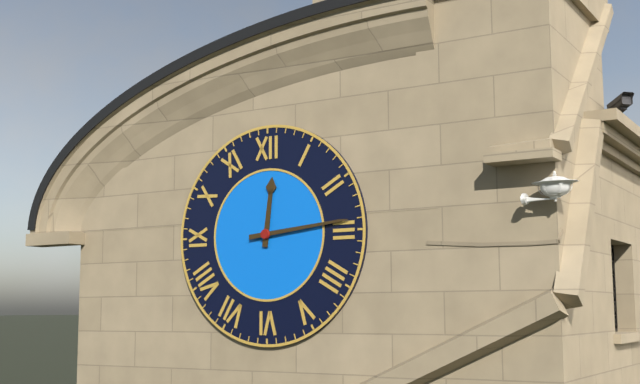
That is 12,14
